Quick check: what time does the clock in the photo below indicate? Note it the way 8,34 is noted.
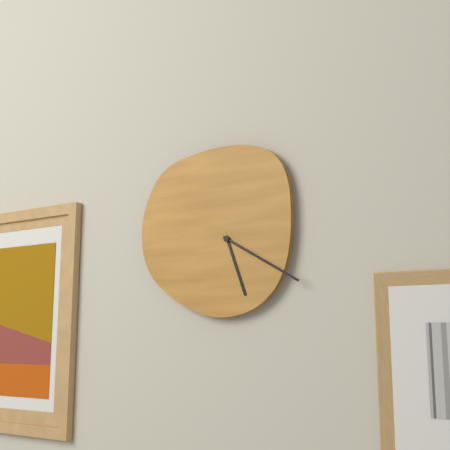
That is 5,20
